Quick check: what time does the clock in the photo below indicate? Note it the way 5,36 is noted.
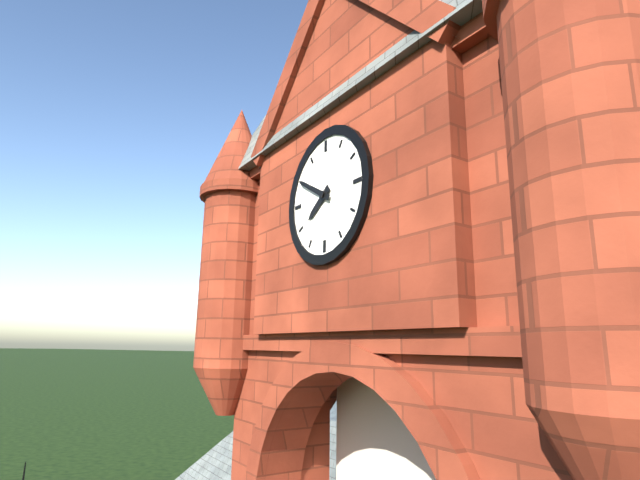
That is 7,50
